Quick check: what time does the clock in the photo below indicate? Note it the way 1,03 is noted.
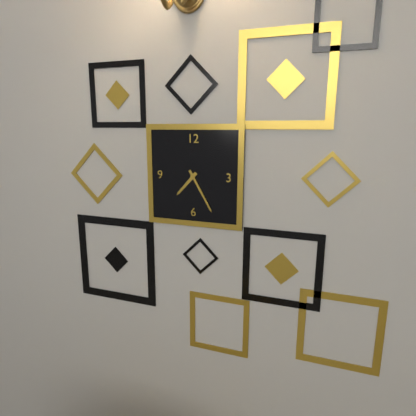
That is 7,25
